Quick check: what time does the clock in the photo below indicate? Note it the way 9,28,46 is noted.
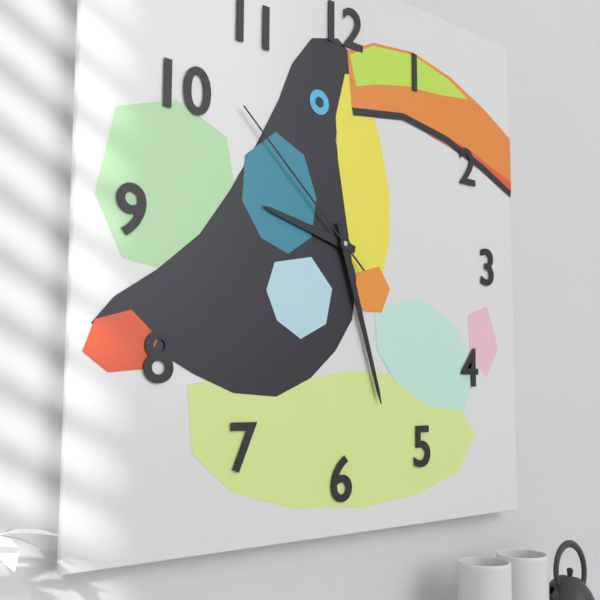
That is 9,27,52
